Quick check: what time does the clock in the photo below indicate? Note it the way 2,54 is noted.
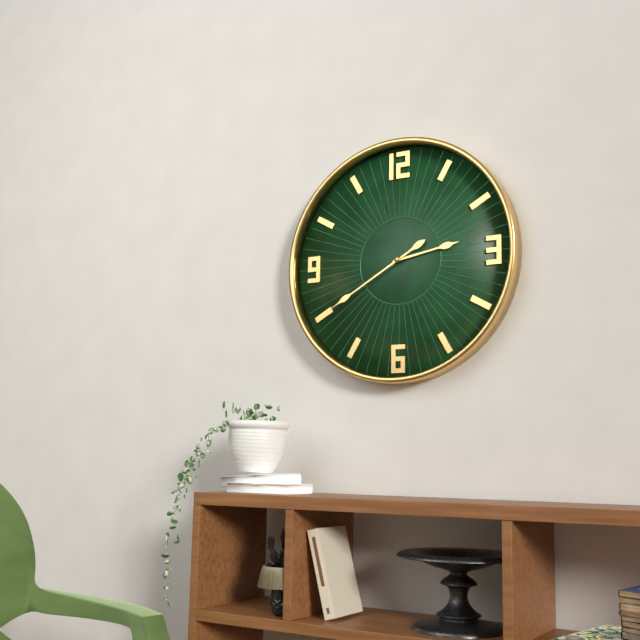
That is 2,40
